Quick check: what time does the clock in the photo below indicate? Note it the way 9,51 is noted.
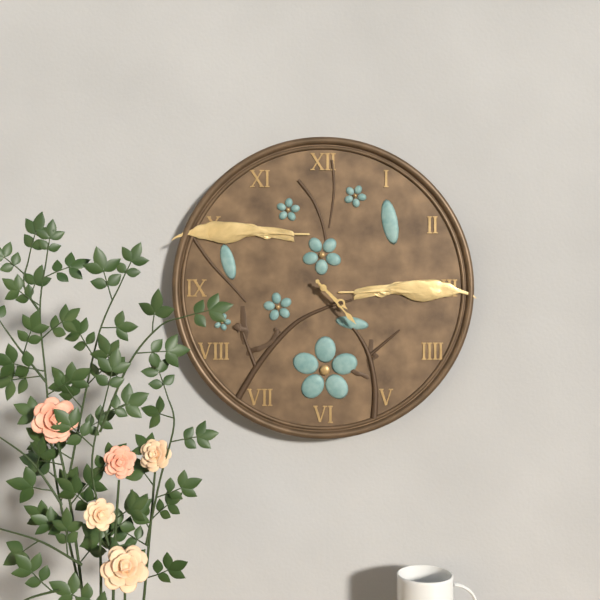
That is 4,23
